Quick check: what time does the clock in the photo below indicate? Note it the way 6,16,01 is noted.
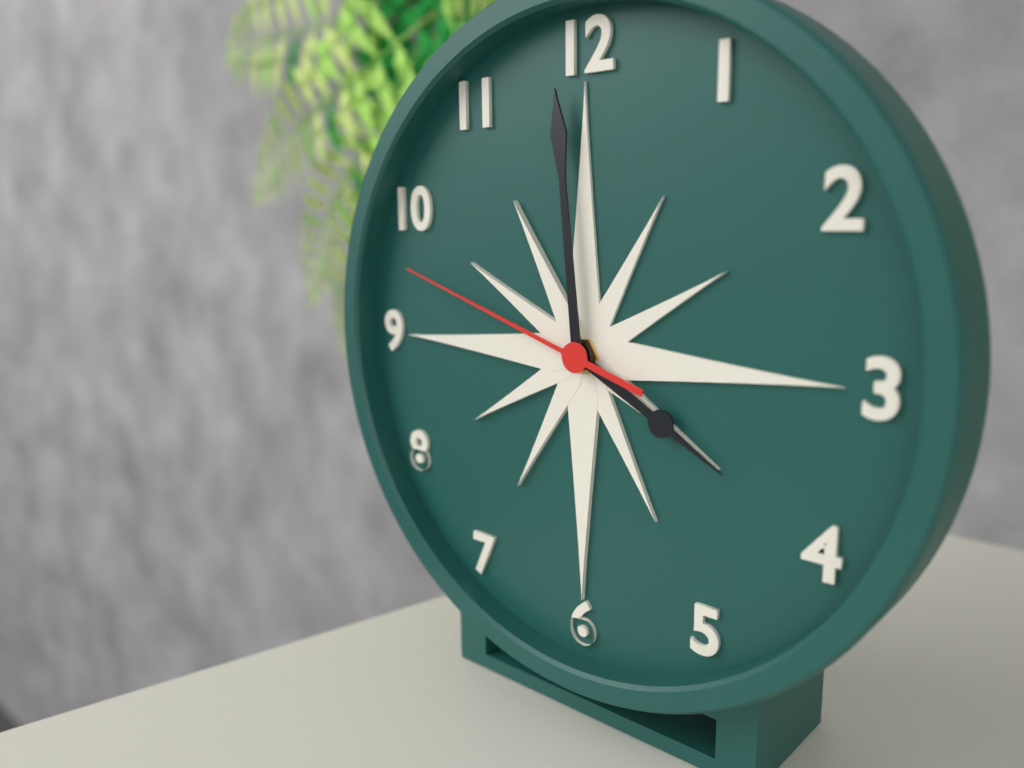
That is 3,59,48
